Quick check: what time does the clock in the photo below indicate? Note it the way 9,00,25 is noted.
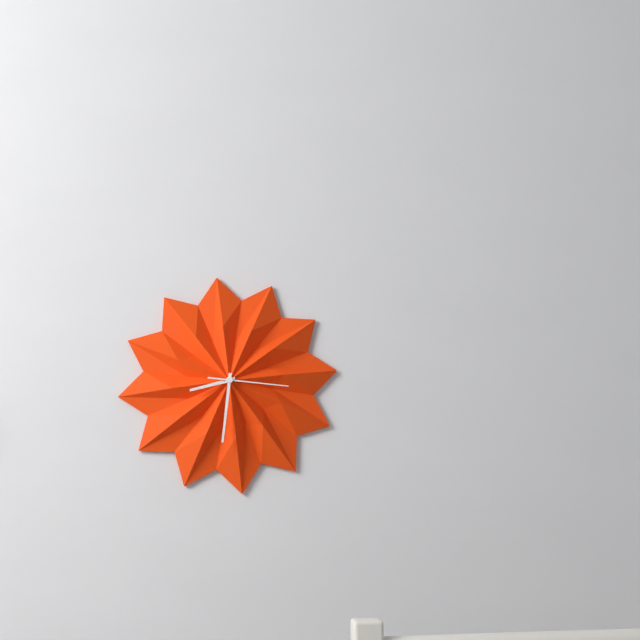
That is 8,31,16
